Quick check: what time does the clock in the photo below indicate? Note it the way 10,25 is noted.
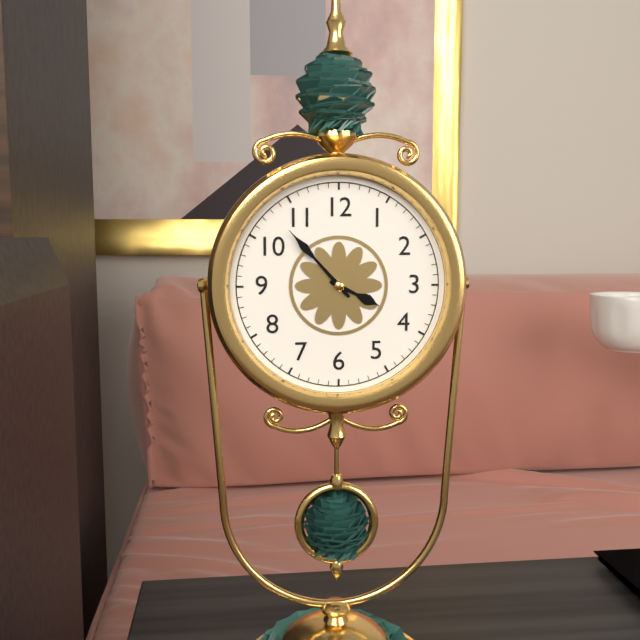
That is 3,53
